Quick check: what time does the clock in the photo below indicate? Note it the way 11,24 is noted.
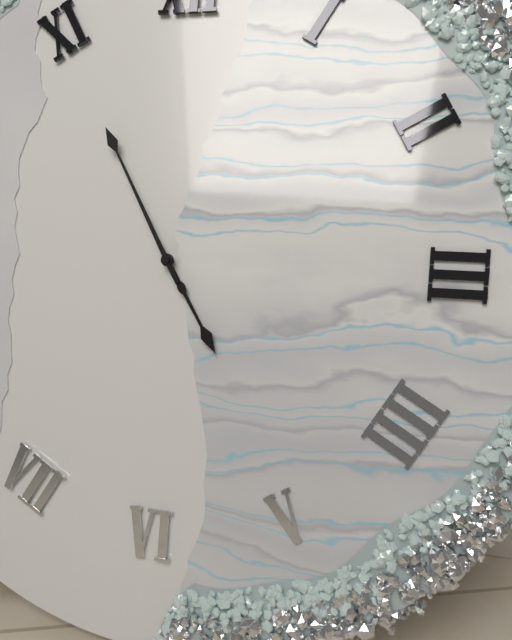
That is 4,55
